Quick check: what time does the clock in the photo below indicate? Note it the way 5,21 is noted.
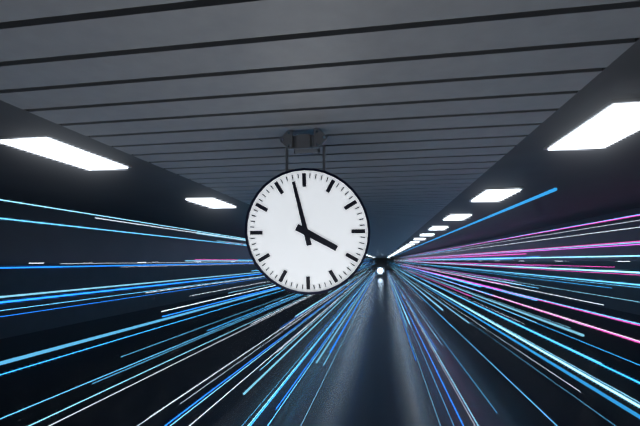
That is 3,58
